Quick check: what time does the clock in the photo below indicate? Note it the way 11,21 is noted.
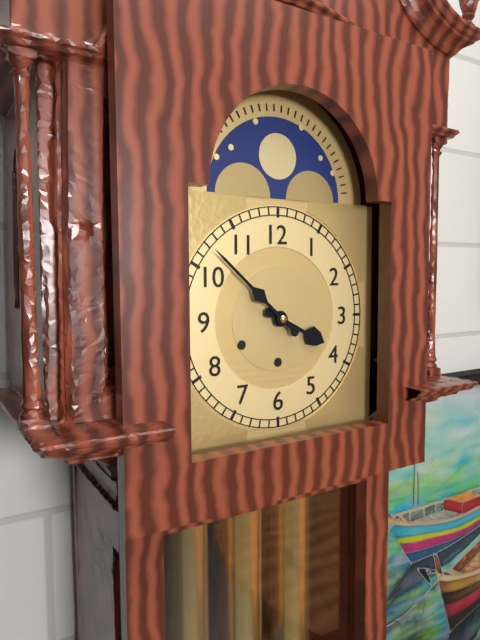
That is 3,52
